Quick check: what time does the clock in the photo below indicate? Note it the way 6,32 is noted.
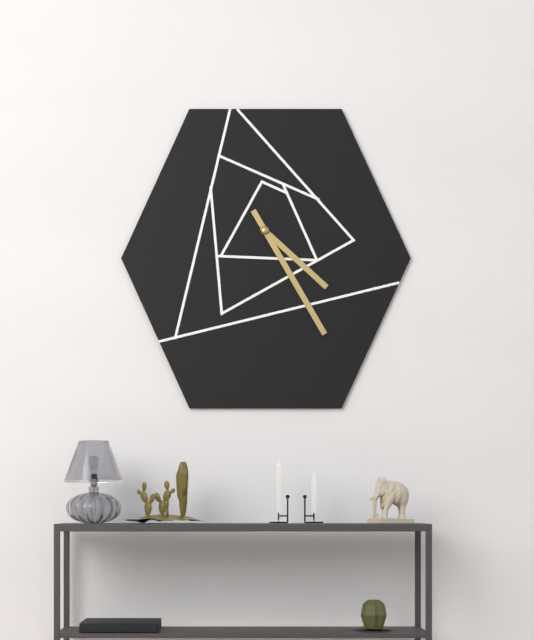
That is 4,25
